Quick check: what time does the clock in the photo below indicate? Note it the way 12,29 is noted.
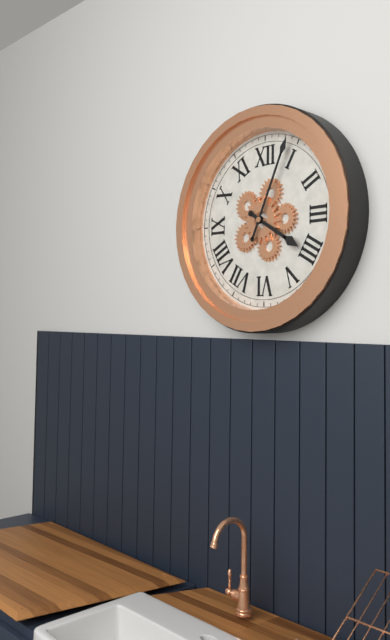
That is 4,04
